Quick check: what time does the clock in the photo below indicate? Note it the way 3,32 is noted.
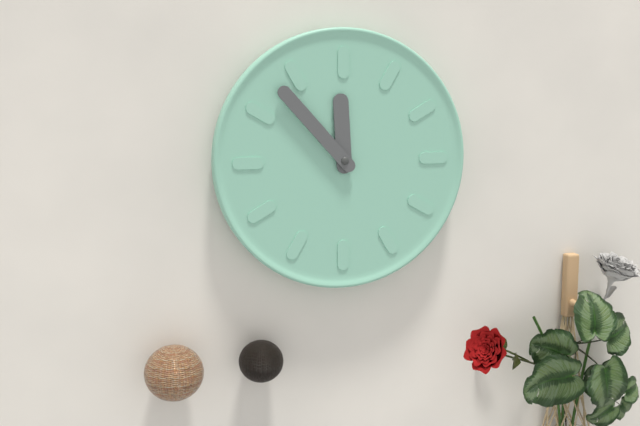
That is 11,53
